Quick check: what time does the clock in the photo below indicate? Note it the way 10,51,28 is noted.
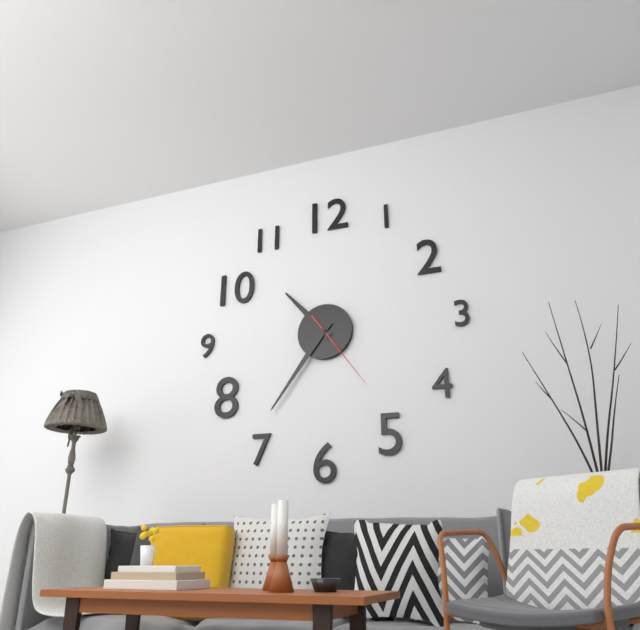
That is 10,36,24
